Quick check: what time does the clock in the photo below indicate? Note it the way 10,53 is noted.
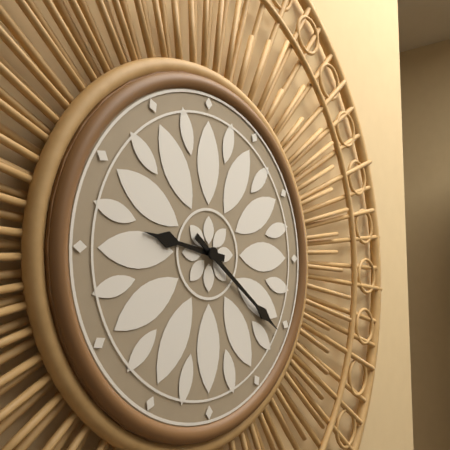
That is 9,21
